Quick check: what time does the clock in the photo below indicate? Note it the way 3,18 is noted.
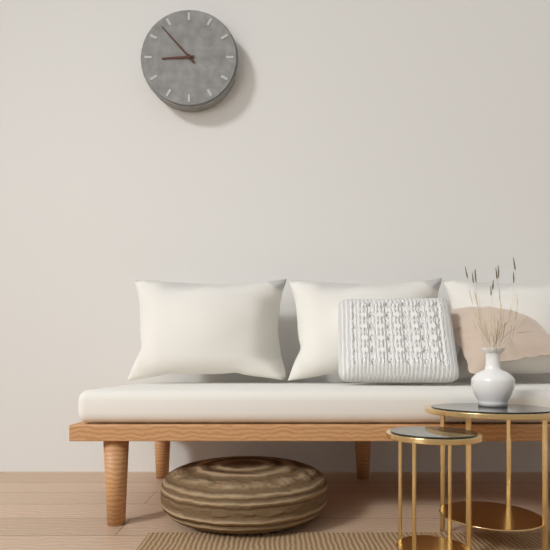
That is 8,53
